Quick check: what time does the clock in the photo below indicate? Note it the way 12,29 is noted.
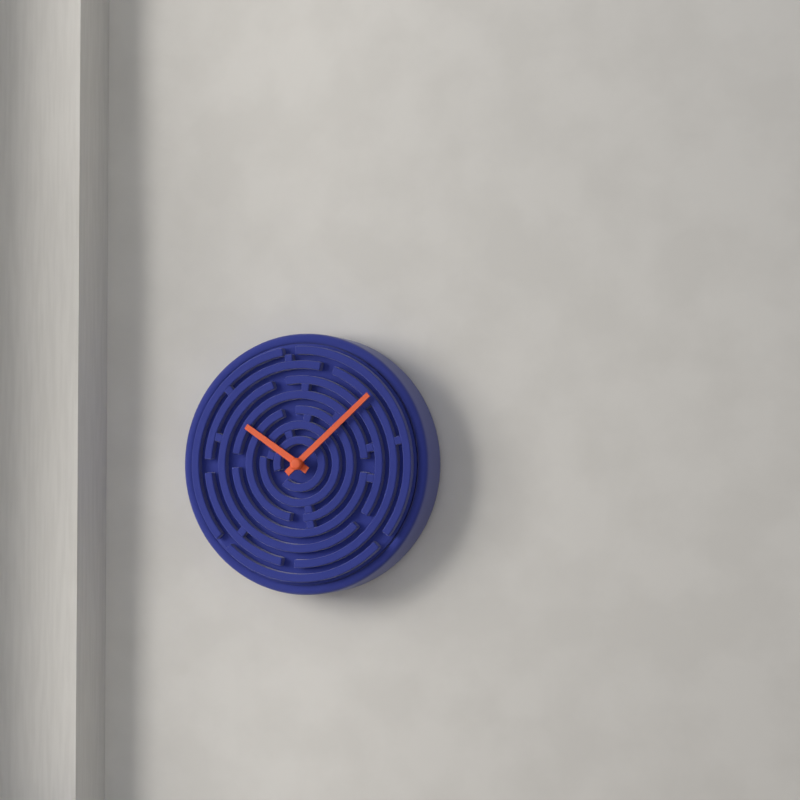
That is 10,08
